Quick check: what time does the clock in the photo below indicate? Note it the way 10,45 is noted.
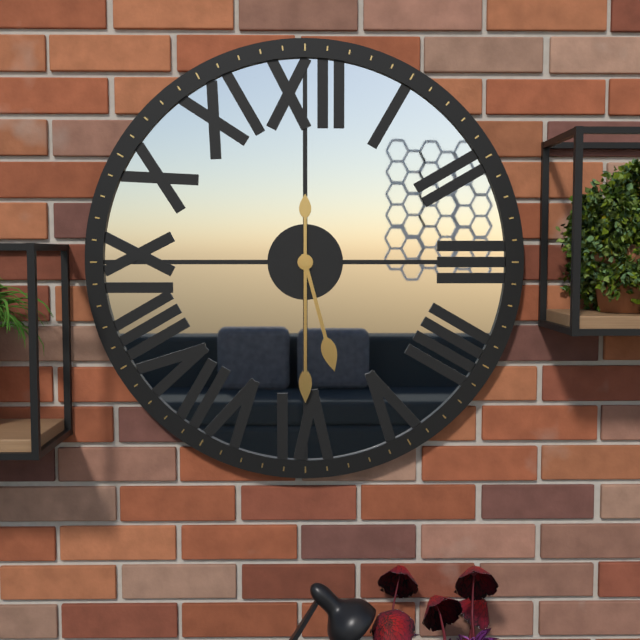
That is 5,30
